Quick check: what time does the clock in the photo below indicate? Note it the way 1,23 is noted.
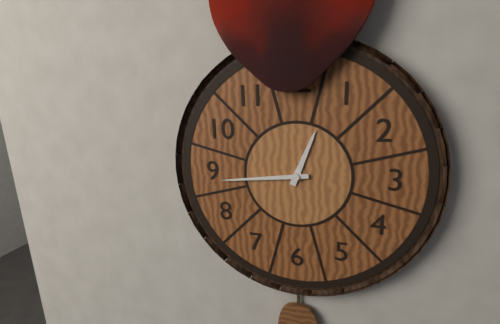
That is 12,44
